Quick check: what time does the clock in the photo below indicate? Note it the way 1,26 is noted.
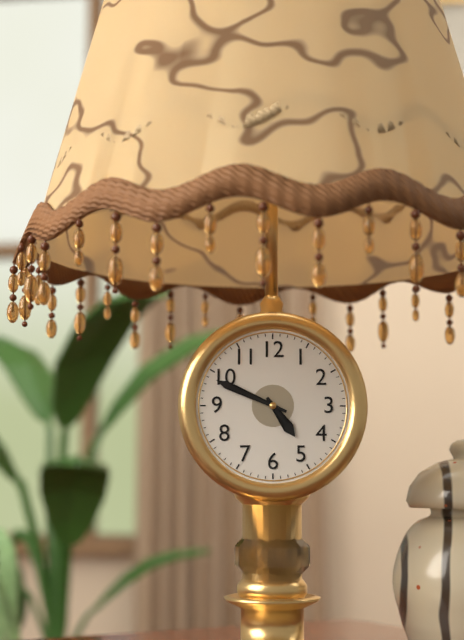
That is 4,49
